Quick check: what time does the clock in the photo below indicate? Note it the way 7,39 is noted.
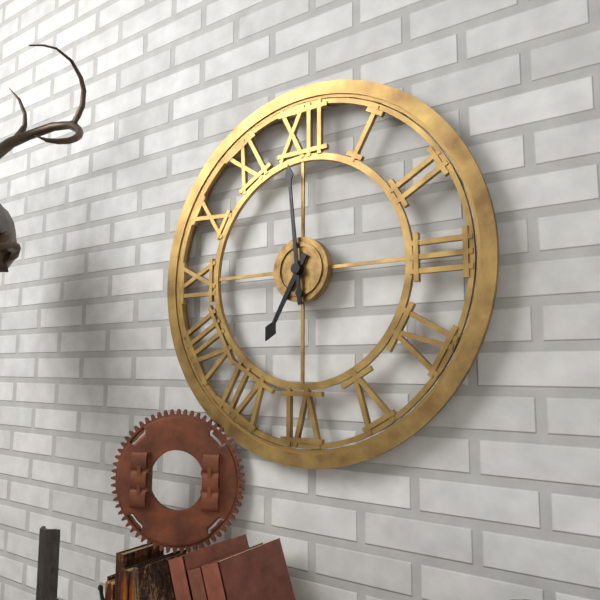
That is 6,59
